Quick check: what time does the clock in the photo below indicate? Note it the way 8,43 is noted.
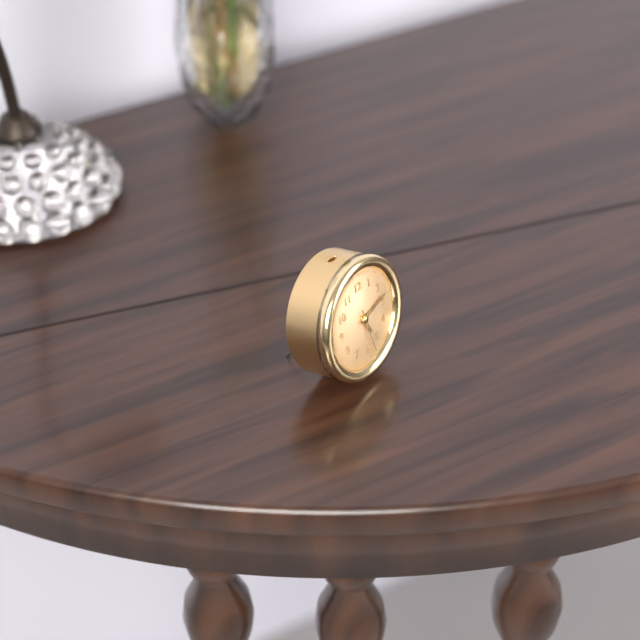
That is 5,13
